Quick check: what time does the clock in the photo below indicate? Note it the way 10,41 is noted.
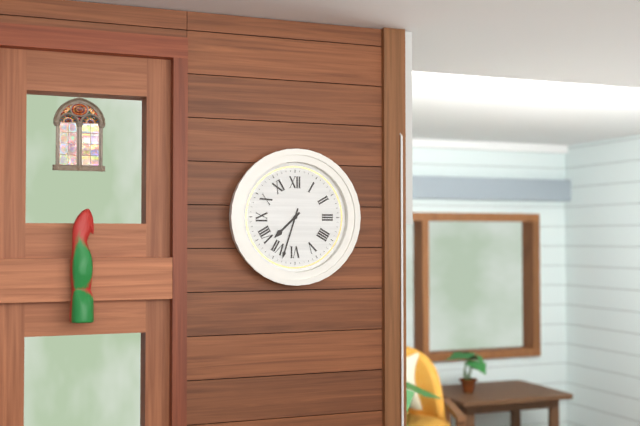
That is 7,33
